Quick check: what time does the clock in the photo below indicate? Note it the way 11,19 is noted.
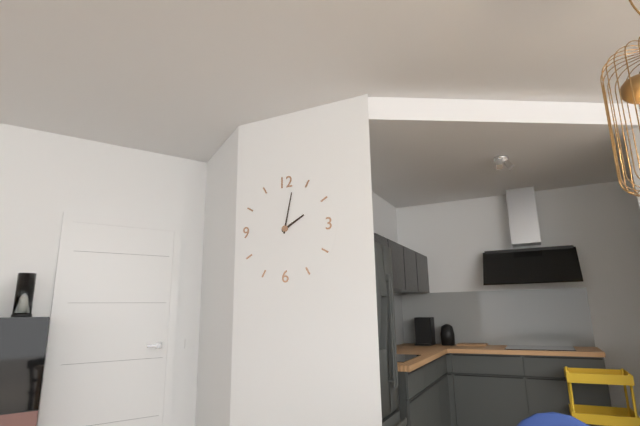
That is 2,02
